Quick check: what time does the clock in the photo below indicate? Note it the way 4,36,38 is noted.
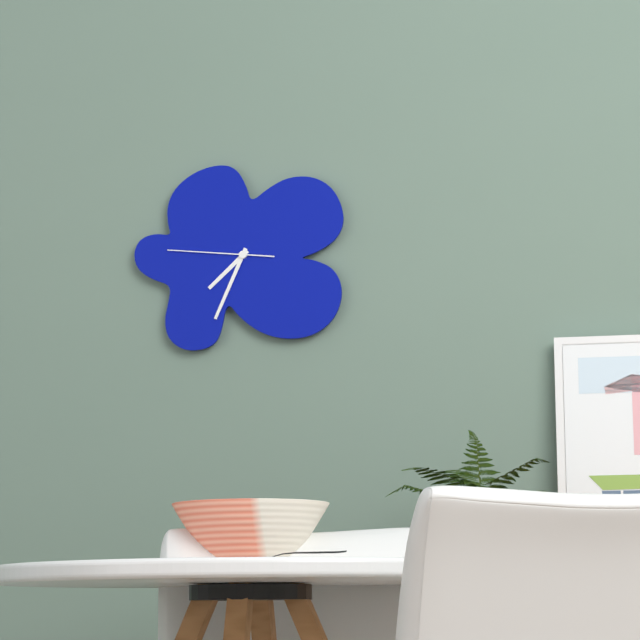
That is 7,34,46
